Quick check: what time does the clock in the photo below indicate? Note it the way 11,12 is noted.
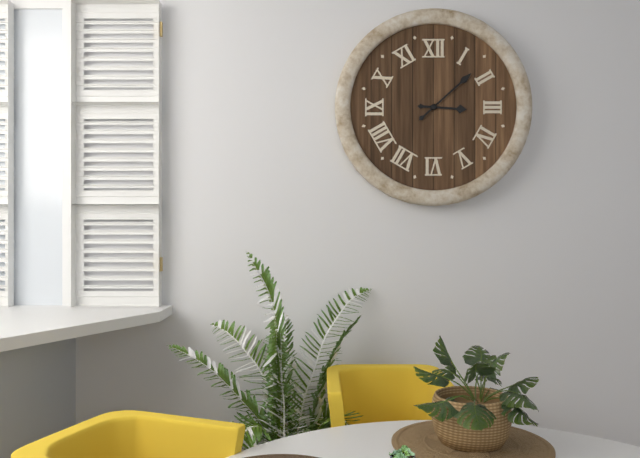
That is 3,08
